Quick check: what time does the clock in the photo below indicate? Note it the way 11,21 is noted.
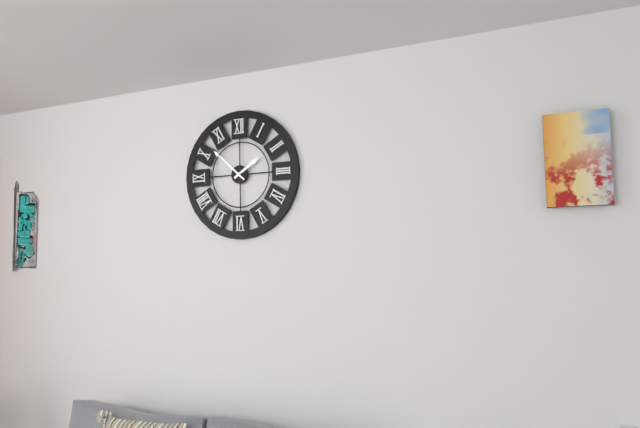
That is 1,52
